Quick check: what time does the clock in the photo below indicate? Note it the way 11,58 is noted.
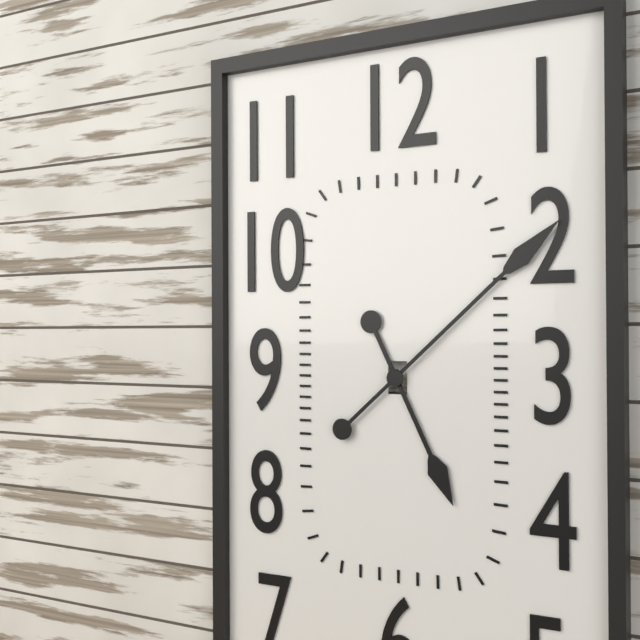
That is 5,08
